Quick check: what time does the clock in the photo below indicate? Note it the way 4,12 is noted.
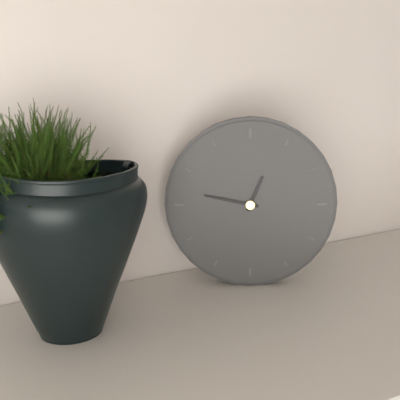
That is 12,47
